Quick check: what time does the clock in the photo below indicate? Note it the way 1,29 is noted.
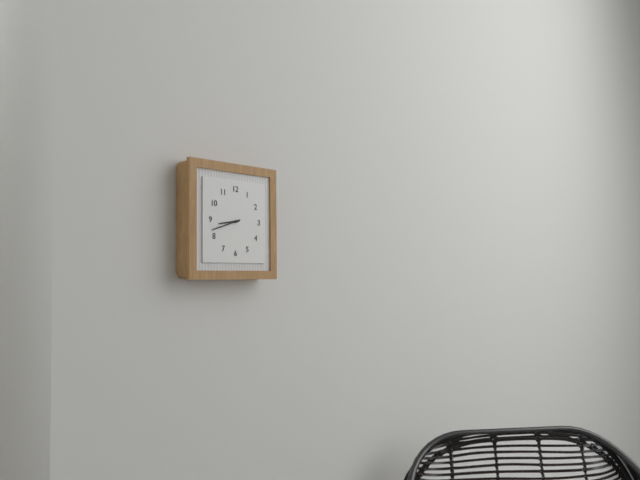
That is 8,42
